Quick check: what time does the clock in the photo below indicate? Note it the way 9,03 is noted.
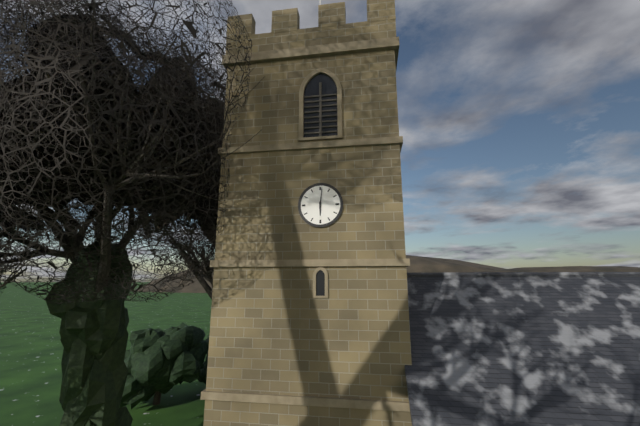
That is 6,01
